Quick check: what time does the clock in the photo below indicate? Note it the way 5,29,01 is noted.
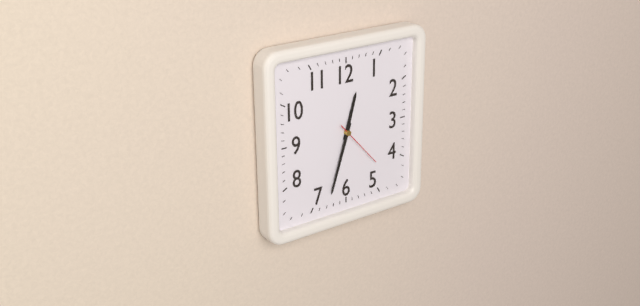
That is 12,33,23
